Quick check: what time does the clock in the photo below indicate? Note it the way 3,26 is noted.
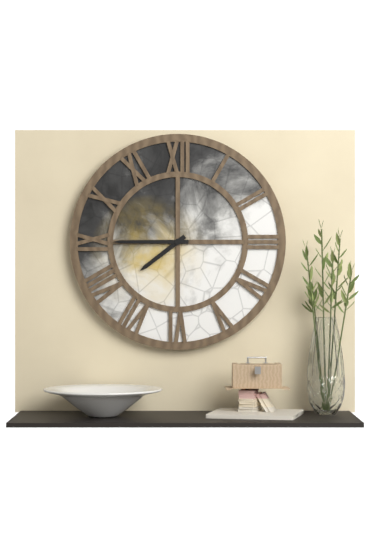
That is 7,45
